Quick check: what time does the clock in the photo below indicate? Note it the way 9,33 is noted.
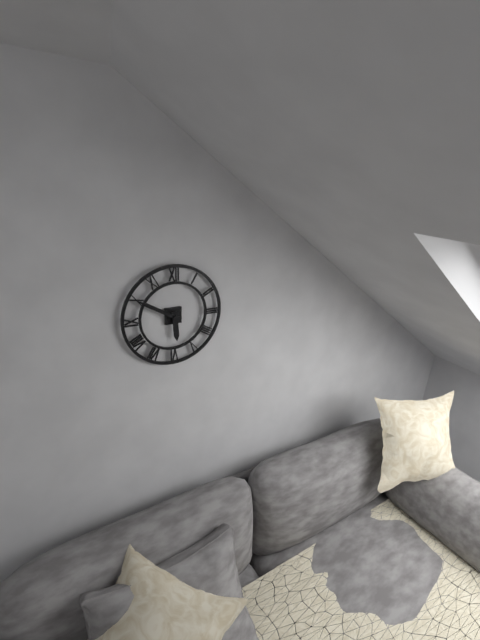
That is 5,50
